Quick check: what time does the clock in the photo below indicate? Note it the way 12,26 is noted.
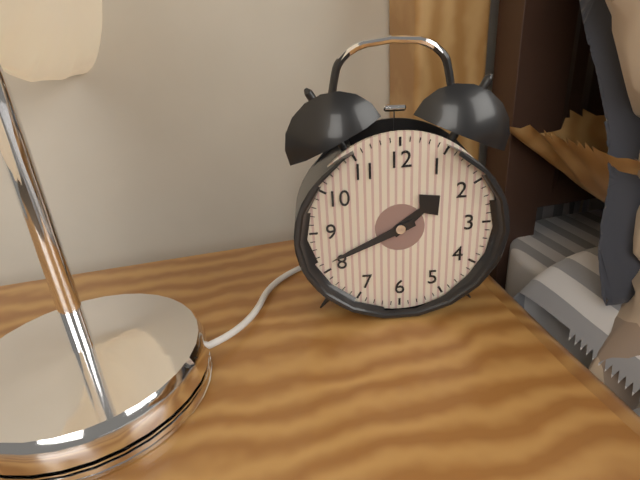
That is 1,41
